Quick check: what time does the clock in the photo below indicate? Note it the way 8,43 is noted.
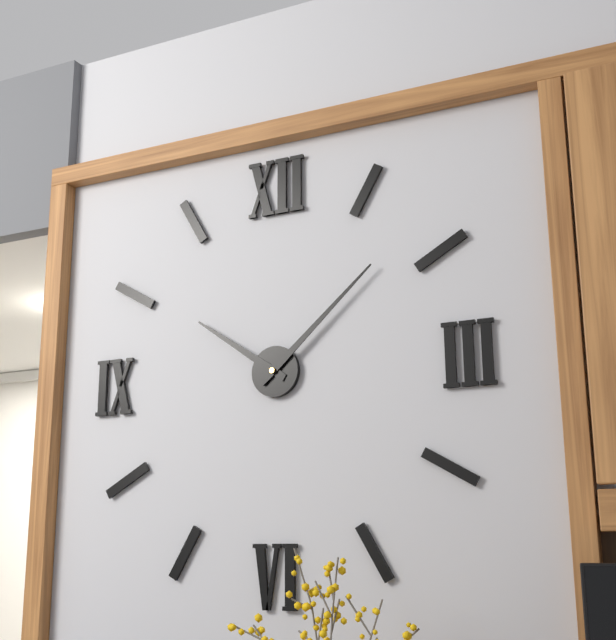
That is 10,08
